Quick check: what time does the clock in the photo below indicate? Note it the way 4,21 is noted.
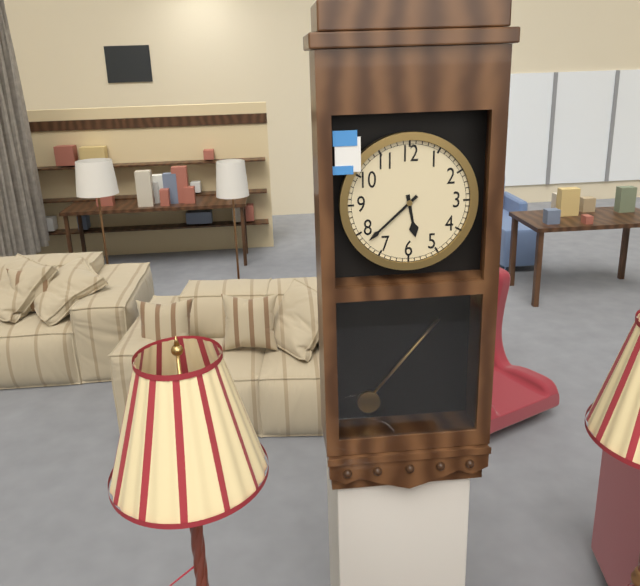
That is 5,38
